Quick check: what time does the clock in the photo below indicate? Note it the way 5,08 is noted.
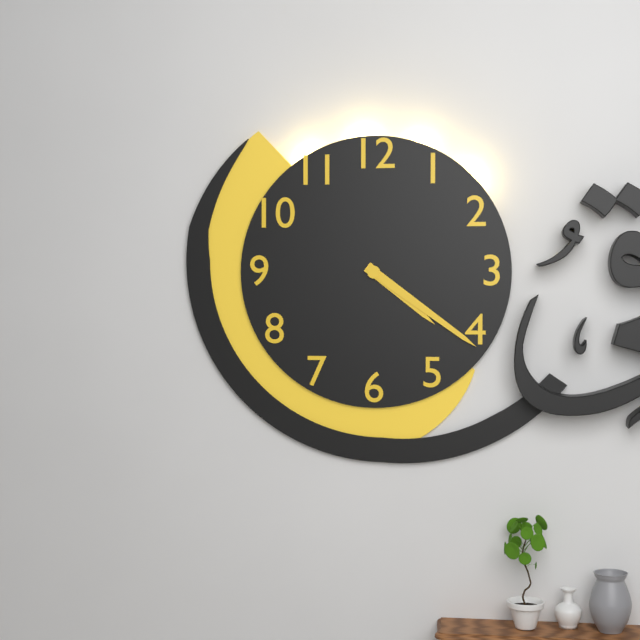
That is 4,21
